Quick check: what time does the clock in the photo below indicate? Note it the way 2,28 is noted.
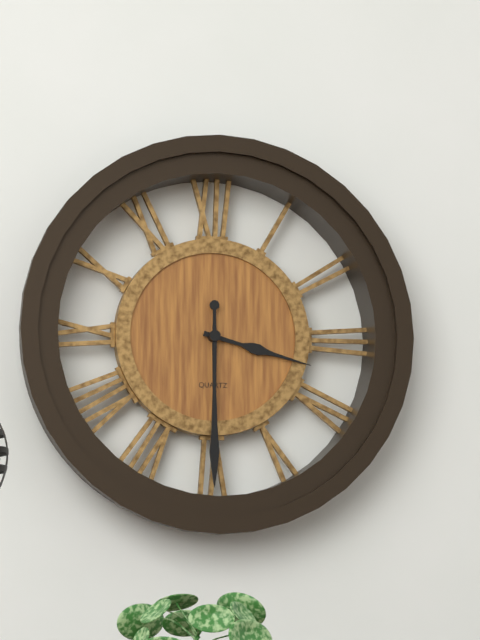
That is 3,30
